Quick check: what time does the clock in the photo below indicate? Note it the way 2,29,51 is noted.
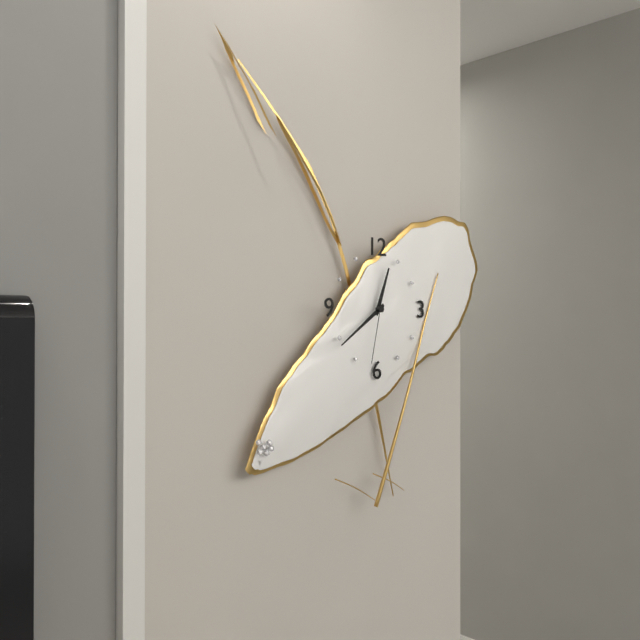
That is 12,39,32
